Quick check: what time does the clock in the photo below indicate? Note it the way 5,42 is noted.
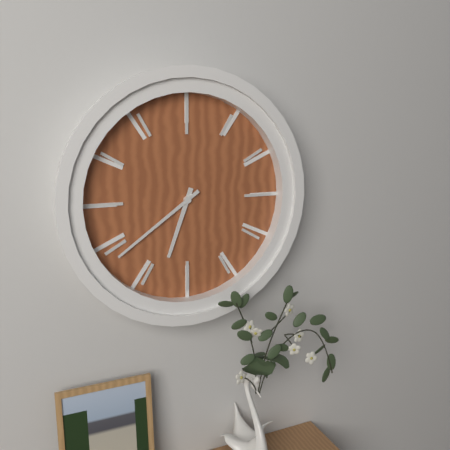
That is 6,39
